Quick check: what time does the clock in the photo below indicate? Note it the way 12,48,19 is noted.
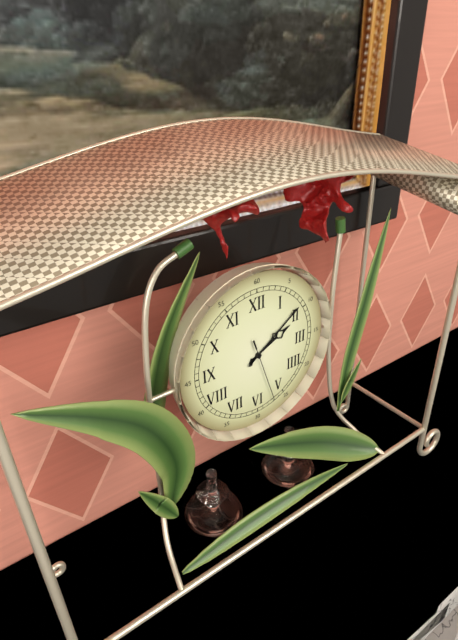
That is 2,09,27
